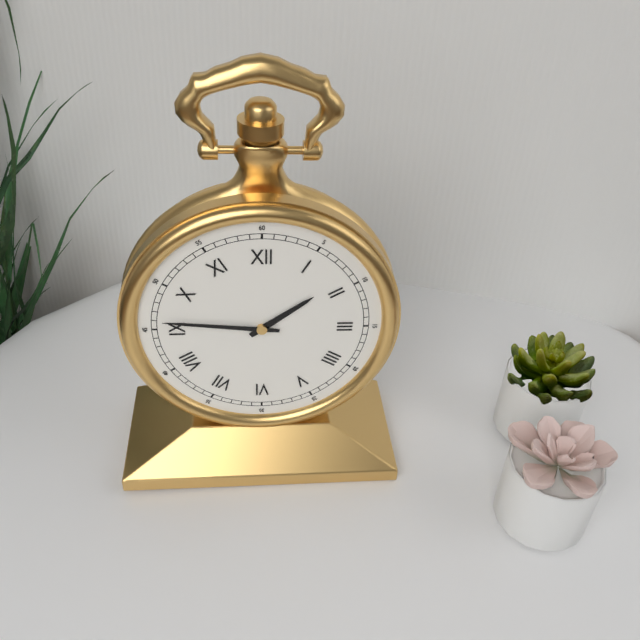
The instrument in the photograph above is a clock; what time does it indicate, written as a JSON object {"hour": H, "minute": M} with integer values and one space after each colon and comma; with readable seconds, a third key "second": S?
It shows {"hour": 1, "minute": 46}
